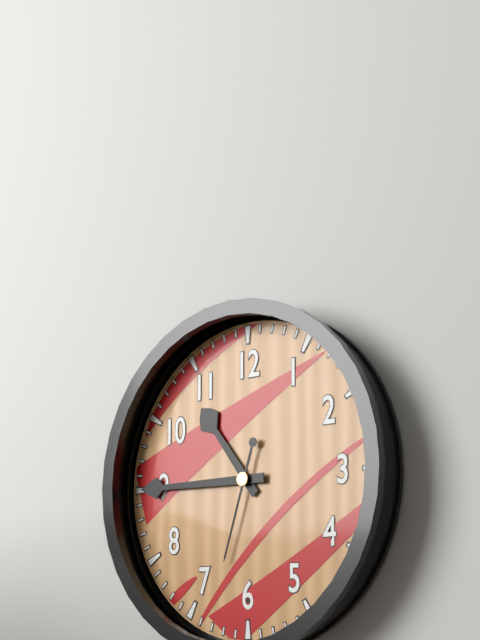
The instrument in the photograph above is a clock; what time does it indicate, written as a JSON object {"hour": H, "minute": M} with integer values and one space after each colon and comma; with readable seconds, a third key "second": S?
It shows {"hour": 10, "minute": 45, "second": 33}
